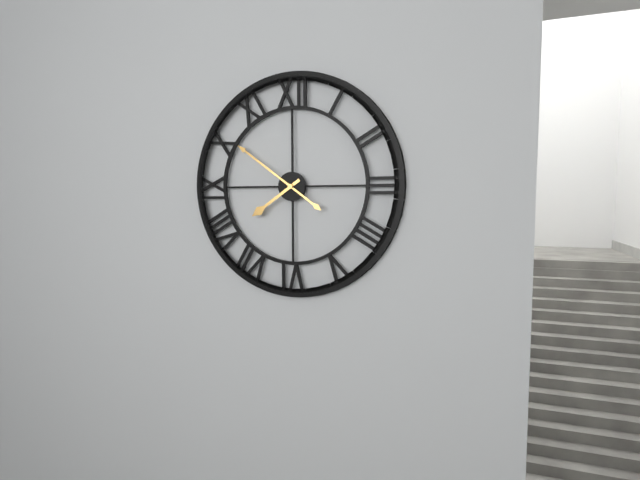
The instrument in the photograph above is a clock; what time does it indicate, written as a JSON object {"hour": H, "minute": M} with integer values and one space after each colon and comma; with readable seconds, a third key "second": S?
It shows {"hour": 7, "minute": 51}
